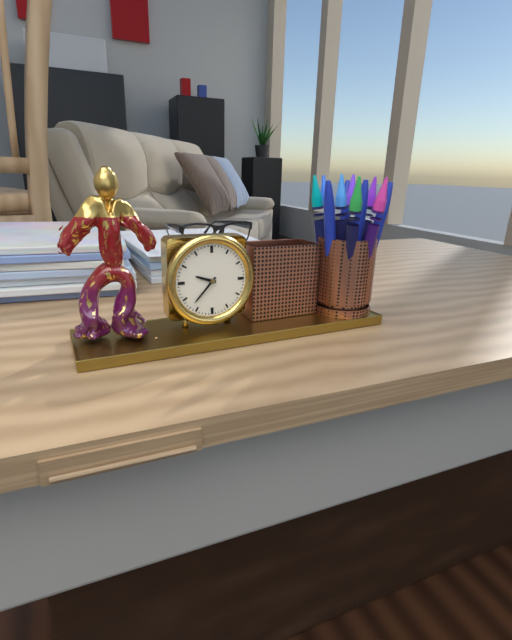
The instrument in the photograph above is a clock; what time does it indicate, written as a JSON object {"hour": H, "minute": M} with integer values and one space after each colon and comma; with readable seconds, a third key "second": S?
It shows {"hour": 9, "minute": 37}
